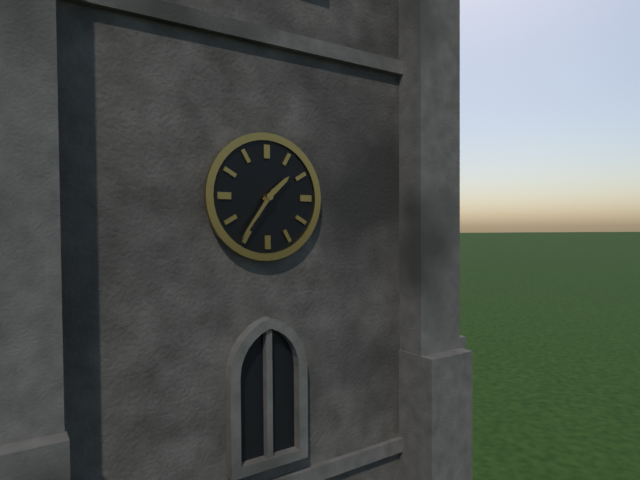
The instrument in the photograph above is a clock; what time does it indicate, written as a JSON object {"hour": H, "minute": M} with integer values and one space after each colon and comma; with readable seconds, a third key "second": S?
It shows {"hour": 1, "minute": 36}
